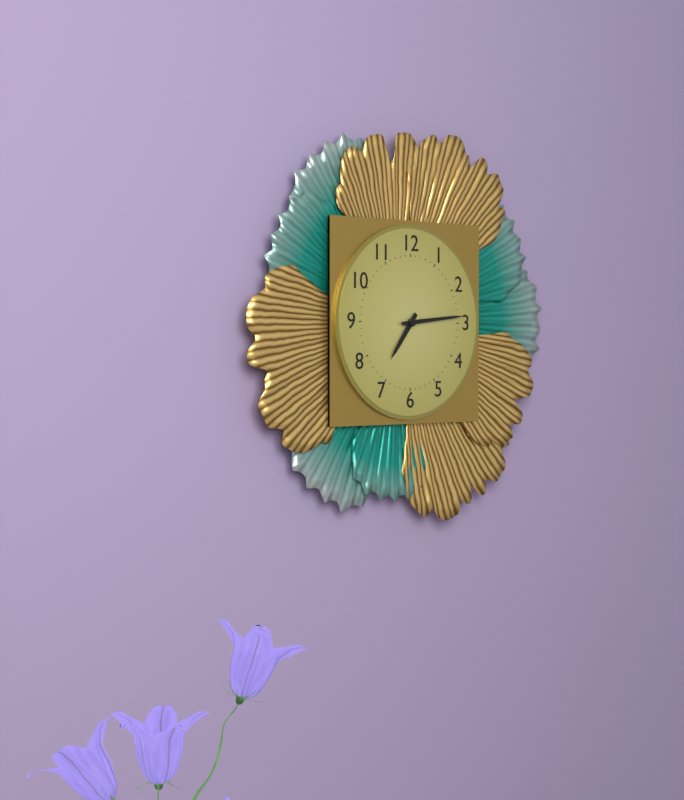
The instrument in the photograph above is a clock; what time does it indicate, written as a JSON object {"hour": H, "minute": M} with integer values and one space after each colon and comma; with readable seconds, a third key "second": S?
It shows {"hour": 7, "minute": 14}
